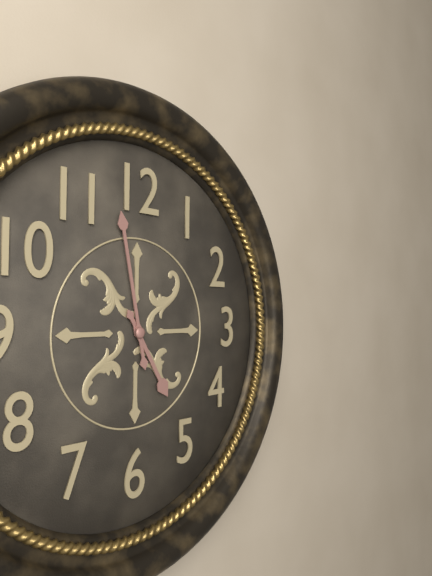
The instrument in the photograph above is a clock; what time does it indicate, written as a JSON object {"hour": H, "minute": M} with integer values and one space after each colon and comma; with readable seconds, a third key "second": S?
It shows {"hour": 4, "minute": 58}
